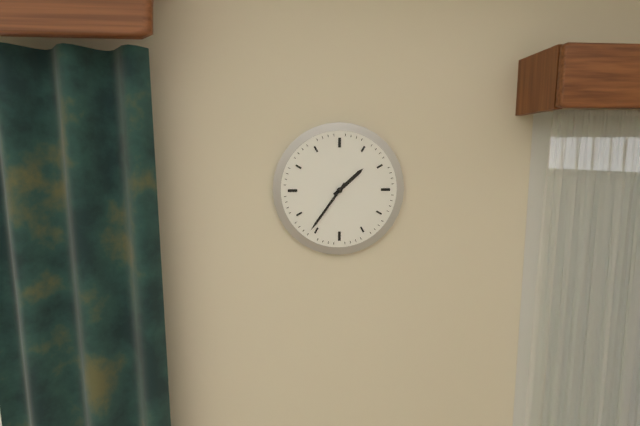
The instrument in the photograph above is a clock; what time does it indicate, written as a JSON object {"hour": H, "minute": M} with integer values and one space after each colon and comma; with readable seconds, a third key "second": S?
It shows {"hour": 1, "minute": 36}
